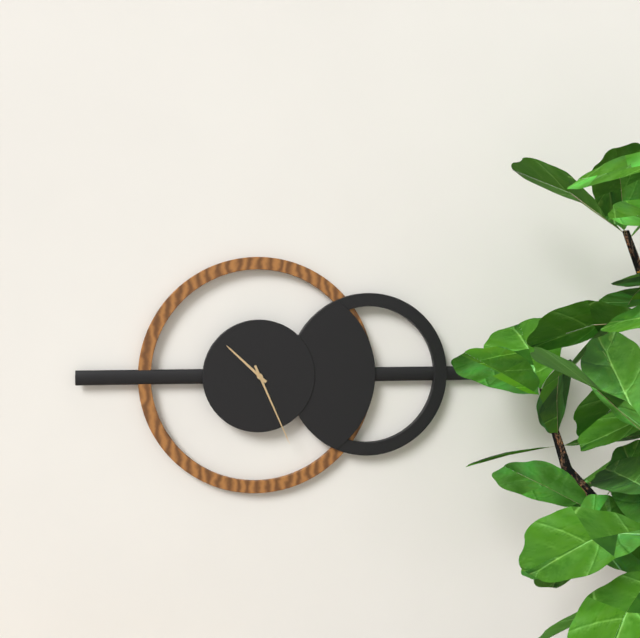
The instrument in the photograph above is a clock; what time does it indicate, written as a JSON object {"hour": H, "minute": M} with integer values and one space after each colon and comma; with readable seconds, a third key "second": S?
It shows {"hour": 10, "minute": 26}
